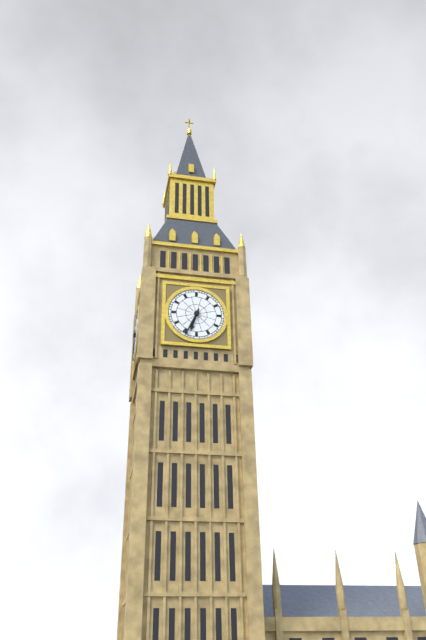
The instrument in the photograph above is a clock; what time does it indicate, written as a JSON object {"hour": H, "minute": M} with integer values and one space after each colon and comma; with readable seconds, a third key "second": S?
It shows {"hour": 6, "minute": 34}
